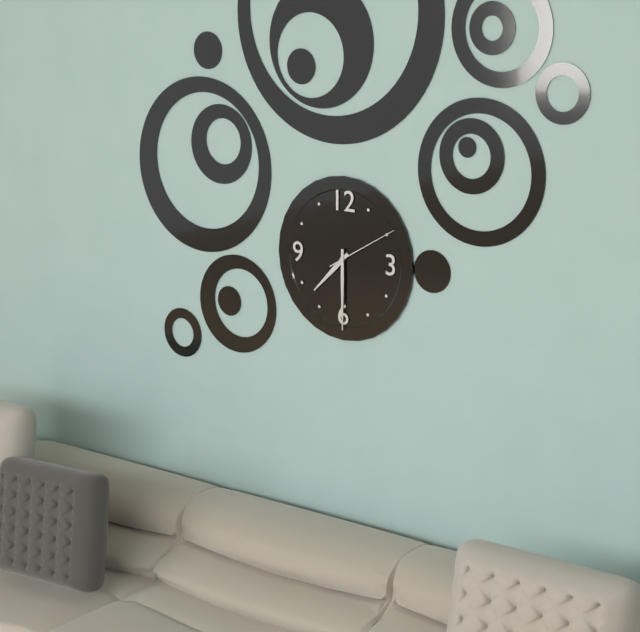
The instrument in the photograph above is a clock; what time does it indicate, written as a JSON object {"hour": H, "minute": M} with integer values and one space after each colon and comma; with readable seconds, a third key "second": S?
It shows {"hour": 7, "minute": 30, "second": 10}
